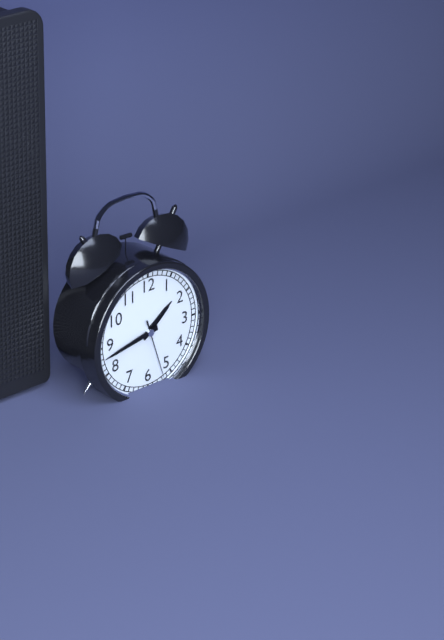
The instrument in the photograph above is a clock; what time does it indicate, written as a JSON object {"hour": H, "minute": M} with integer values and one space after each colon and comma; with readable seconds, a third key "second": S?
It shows {"hour": 1, "minute": 43, "second": 27}
